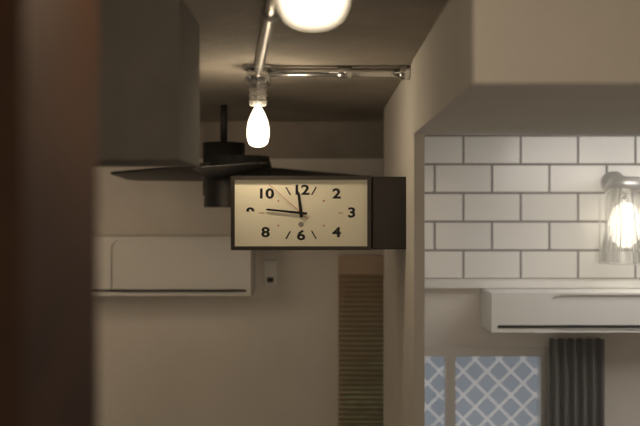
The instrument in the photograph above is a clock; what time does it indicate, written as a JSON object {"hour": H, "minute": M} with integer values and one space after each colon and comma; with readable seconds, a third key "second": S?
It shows {"hour": 11, "minute": 46, "second": 52}
